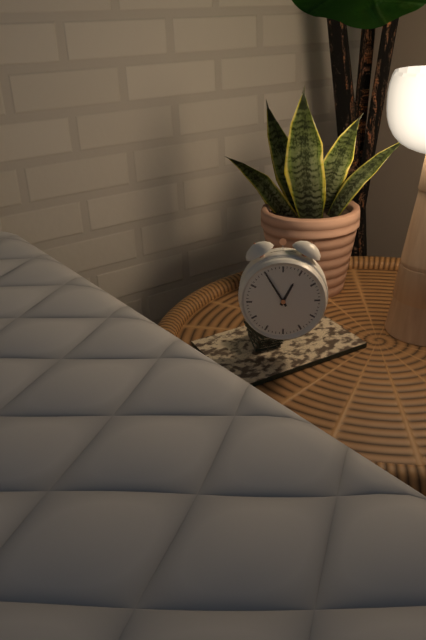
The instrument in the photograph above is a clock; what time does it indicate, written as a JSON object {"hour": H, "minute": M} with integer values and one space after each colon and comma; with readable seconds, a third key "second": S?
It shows {"hour": 12, "minute": 55}
